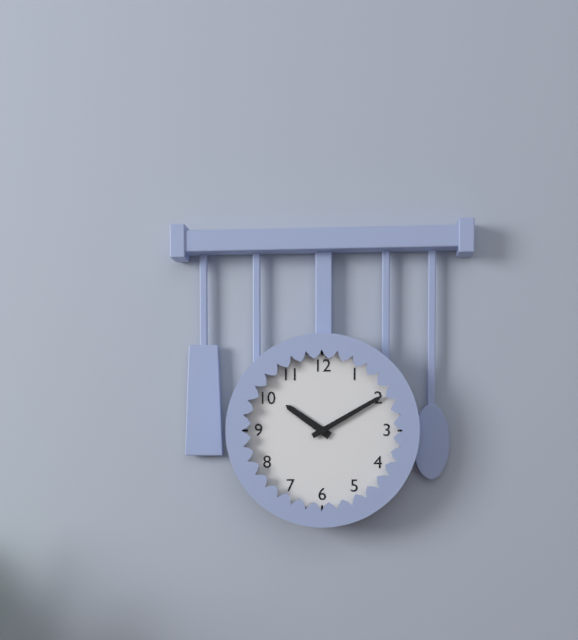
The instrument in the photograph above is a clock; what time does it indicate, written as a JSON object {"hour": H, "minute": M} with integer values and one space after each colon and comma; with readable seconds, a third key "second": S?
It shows {"hour": 10, "minute": 10}
